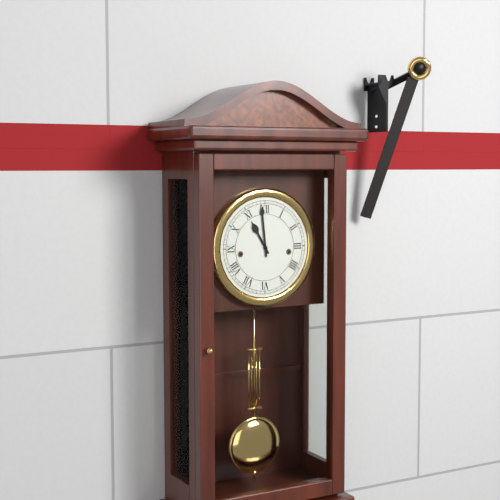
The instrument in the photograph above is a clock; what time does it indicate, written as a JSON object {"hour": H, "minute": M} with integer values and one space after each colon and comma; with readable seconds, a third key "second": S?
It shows {"hour": 10, "minute": 59}
